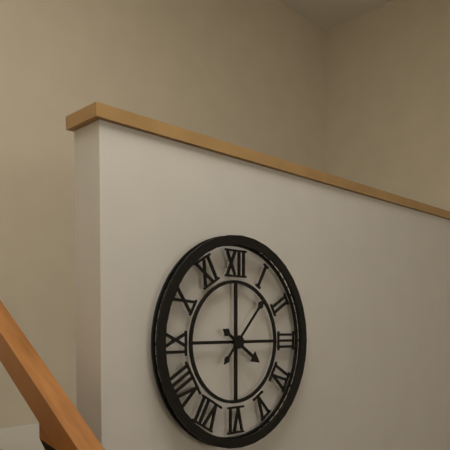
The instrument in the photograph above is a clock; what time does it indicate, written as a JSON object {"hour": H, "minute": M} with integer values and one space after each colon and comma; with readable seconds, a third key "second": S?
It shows {"hour": 4, "minute": 7}
